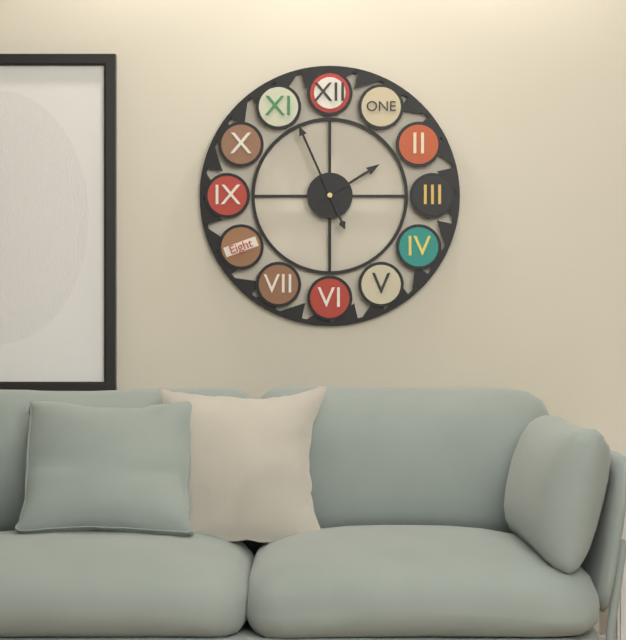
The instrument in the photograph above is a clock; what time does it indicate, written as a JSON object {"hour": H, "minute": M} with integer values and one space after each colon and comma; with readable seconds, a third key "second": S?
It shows {"hour": 1, "minute": 56}
